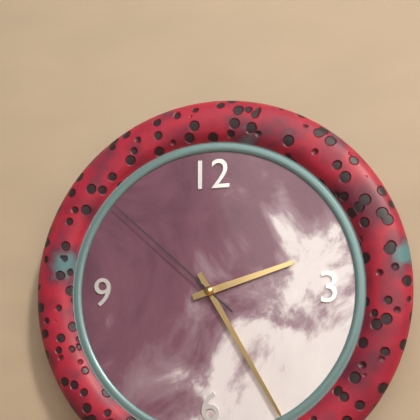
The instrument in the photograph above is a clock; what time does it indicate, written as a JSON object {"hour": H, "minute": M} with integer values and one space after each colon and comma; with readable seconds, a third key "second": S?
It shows {"hour": 2, "minute": 25, "second": 52}
